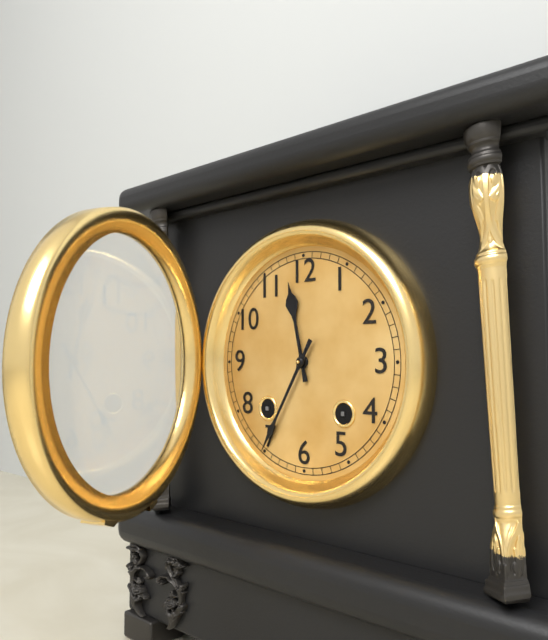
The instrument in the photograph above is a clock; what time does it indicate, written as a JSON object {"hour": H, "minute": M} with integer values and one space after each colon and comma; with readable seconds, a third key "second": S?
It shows {"hour": 11, "minute": 35}
